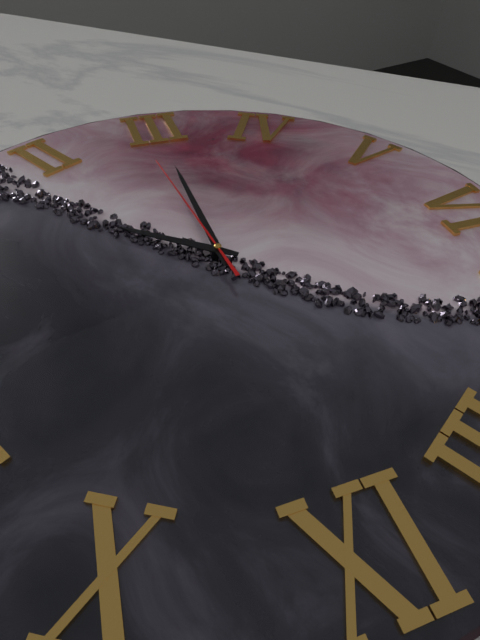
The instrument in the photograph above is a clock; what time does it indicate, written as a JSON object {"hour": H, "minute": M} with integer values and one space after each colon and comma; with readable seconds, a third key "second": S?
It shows {"hour": 1, "minute": 15, "second": 14}
